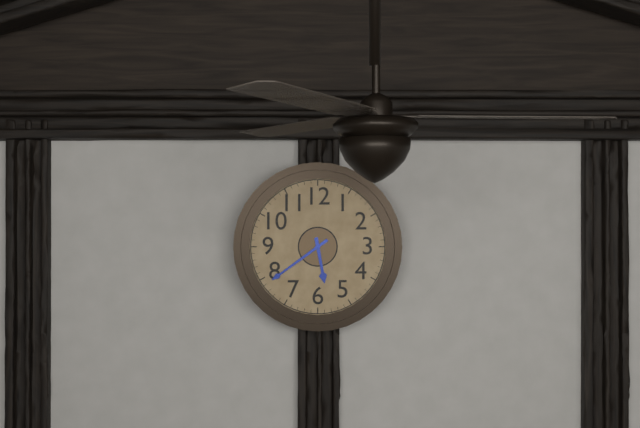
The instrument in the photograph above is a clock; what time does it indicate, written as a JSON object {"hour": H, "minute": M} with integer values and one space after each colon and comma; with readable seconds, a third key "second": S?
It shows {"hour": 5, "minute": 39}
